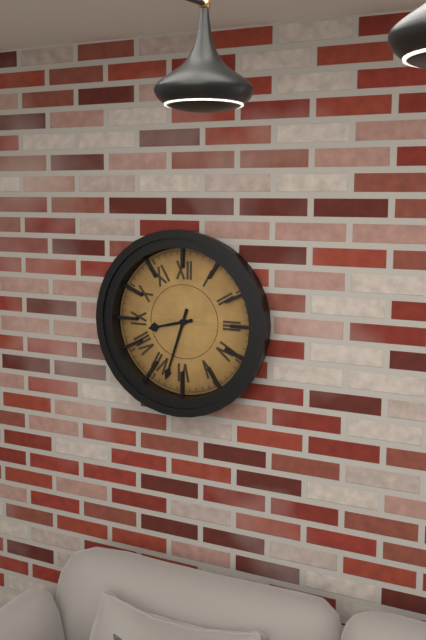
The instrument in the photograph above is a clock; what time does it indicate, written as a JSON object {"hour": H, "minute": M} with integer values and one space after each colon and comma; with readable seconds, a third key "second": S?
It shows {"hour": 8, "minute": 33}
